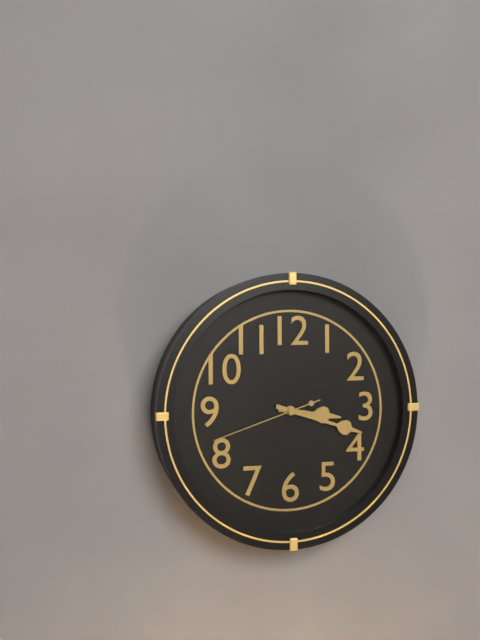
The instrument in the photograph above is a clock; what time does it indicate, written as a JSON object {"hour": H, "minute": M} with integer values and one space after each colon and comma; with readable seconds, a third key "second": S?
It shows {"hour": 3, "minute": 18, "second": 42}
